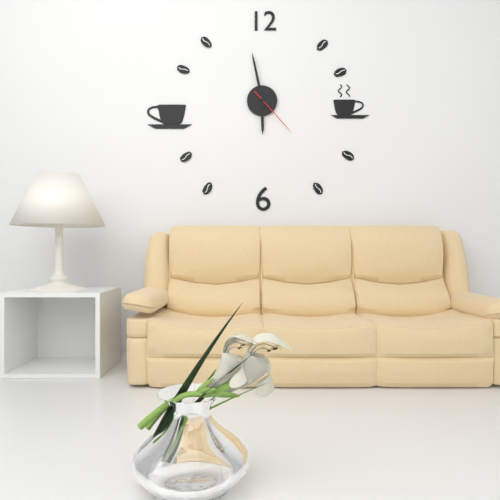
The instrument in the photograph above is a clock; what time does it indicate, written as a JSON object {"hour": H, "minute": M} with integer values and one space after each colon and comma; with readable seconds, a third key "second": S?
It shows {"hour": 5, "minute": 58, "second": 23}
